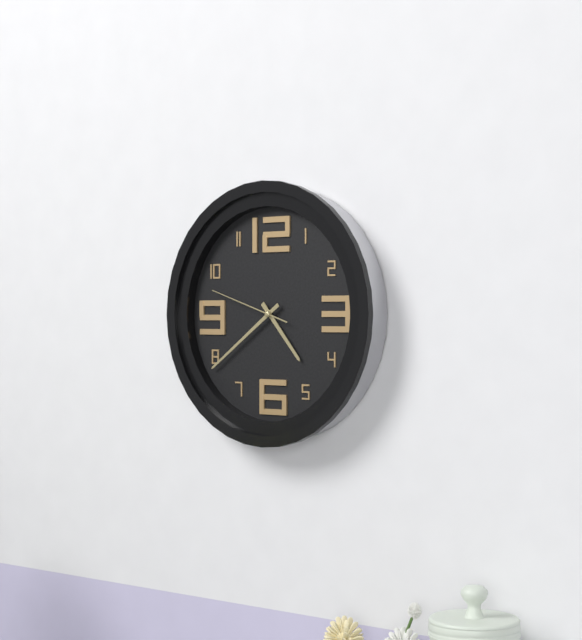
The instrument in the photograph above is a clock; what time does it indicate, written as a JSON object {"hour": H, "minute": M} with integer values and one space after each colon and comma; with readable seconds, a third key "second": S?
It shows {"hour": 4, "minute": 39, "second": 48}
